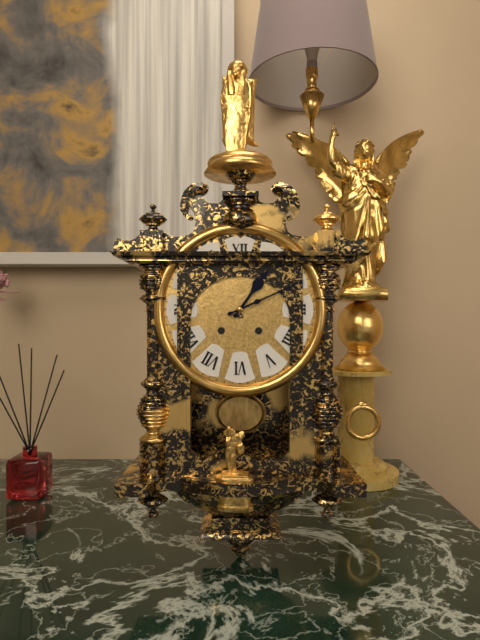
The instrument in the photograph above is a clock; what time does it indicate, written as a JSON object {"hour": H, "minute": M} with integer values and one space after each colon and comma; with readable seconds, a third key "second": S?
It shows {"hour": 1, "minute": 11}
